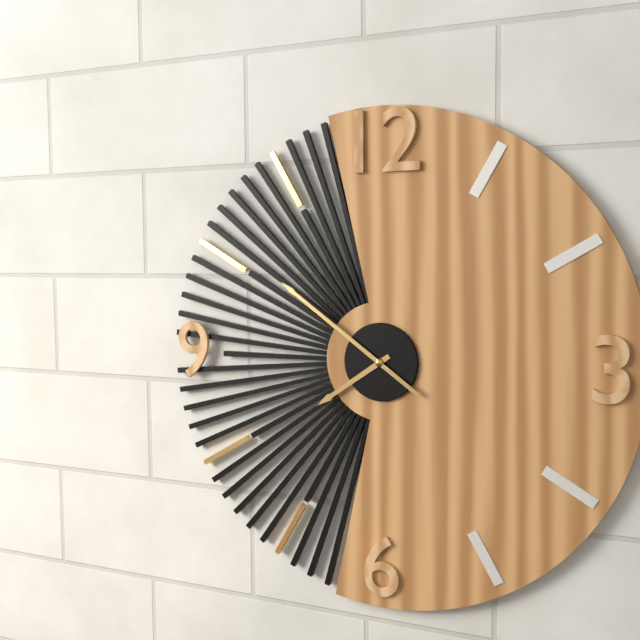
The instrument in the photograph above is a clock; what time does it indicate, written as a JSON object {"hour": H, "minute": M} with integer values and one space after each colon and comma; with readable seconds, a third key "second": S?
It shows {"hour": 7, "minute": 51}
